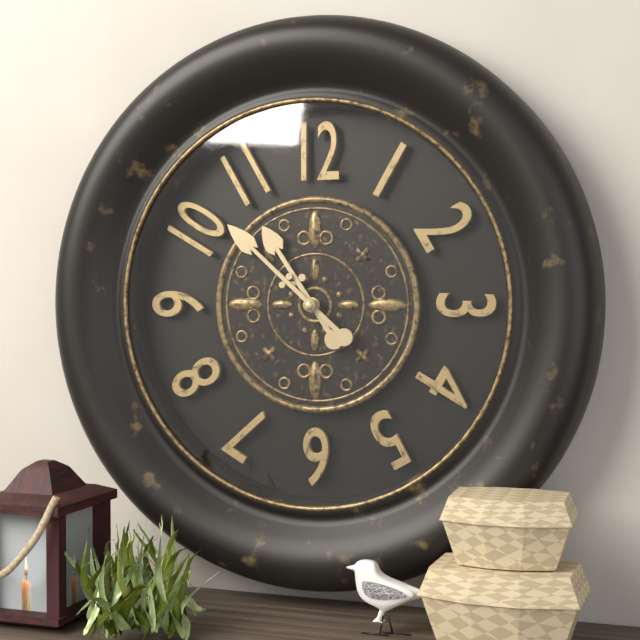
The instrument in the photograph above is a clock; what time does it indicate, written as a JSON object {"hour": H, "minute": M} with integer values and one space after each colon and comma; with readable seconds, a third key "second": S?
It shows {"hour": 10, "minute": 52}
